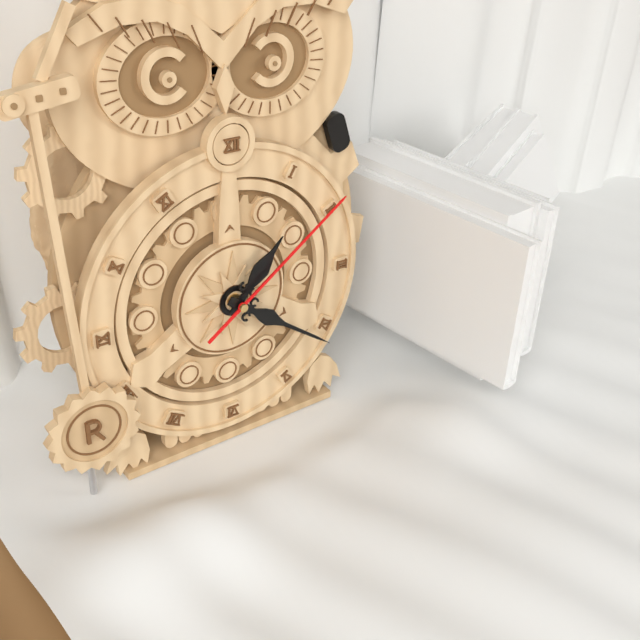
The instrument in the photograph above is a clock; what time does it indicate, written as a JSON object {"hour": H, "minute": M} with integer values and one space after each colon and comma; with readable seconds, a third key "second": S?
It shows {"hour": 1, "minute": 21, "second": 9}
